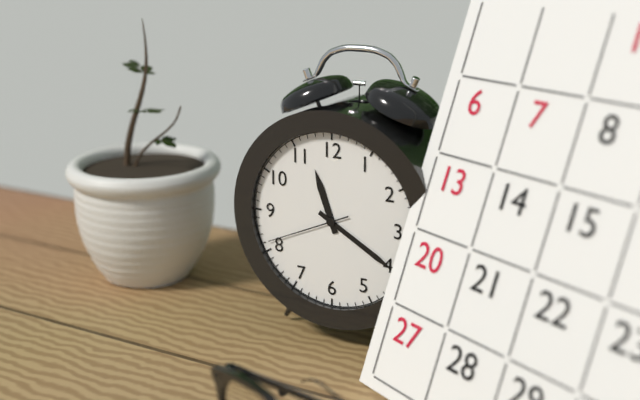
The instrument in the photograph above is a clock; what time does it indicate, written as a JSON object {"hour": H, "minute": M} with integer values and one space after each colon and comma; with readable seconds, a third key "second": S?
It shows {"hour": 11, "minute": 20, "second": 41}
